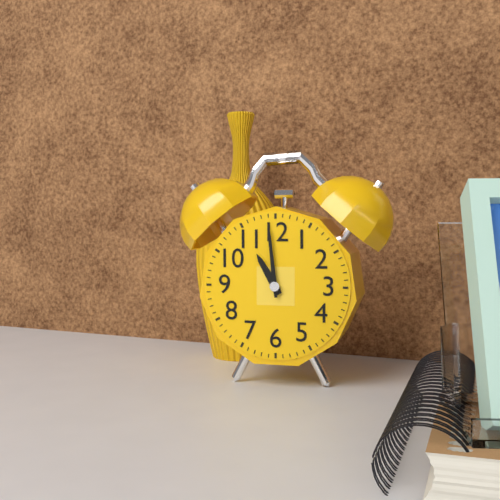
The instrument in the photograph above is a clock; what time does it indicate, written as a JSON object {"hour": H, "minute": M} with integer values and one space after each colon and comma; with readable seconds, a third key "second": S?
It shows {"hour": 10, "minute": 59}
